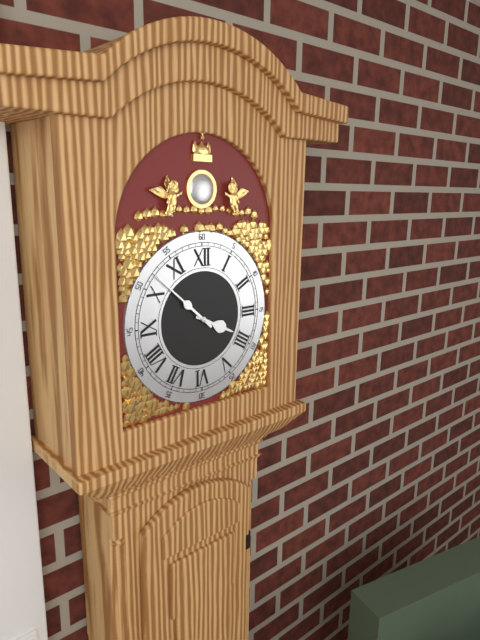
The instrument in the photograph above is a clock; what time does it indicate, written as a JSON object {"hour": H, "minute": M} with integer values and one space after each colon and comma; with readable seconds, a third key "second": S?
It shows {"hour": 3, "minute": 52}
